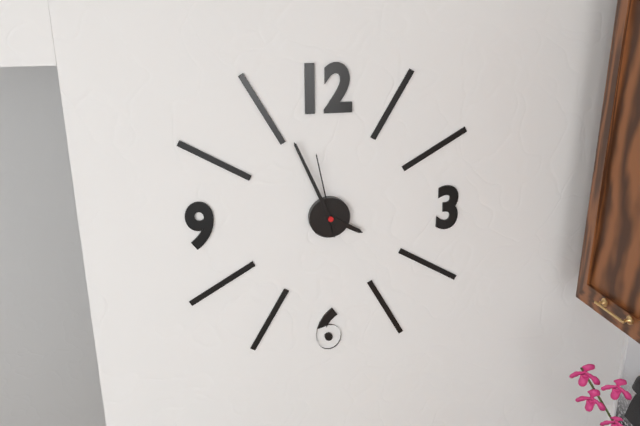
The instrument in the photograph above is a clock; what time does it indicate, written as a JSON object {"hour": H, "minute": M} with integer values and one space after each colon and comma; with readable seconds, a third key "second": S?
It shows {"hour": 3, "minute": 56, "second": 58}
